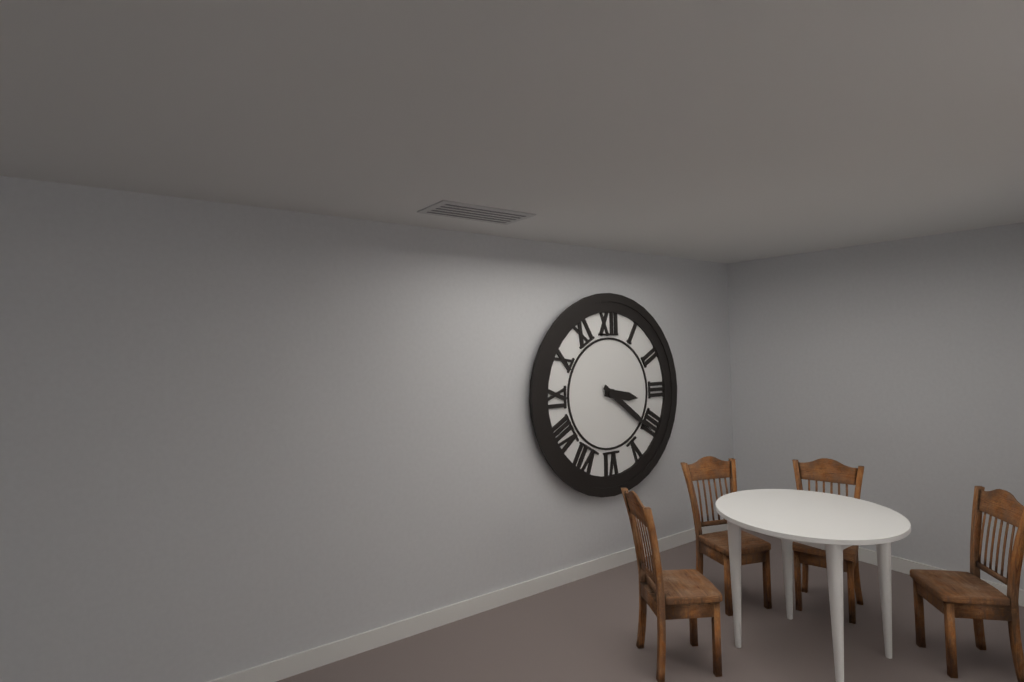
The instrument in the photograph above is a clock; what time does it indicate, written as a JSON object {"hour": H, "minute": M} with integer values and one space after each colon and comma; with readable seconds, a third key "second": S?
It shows {"hour": 3, "minute": 21}
